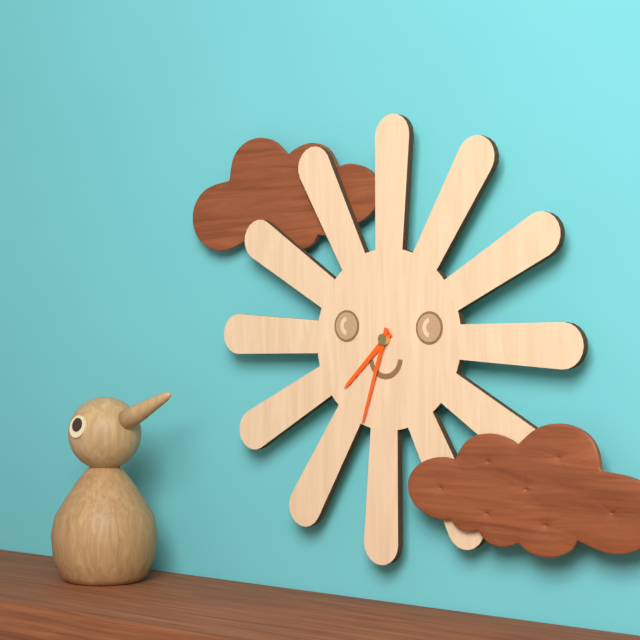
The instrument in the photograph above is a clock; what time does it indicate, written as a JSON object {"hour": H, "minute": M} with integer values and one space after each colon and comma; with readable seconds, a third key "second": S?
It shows {"hour": 7, "minute": 33}
